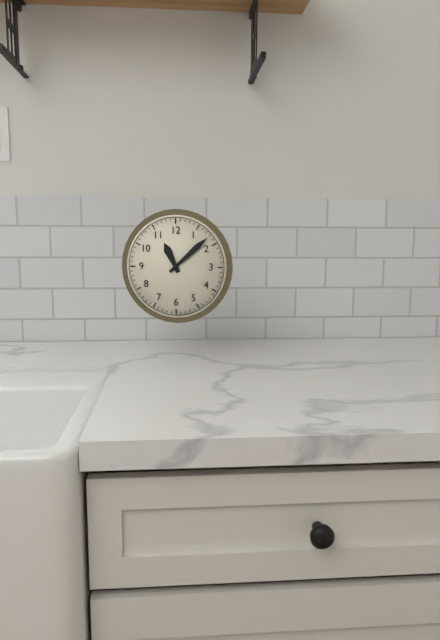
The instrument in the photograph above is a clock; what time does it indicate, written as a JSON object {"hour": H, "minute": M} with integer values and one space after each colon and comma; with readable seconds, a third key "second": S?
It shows {"hour": 11, "minute": 8}
